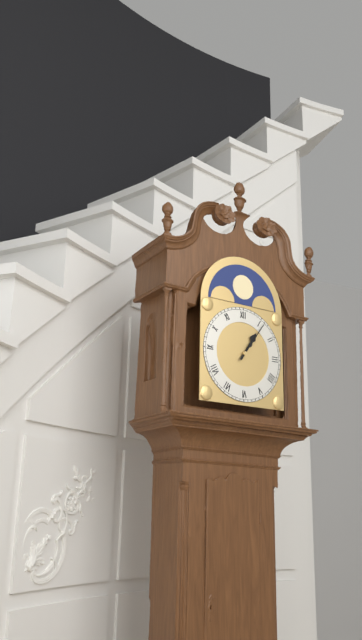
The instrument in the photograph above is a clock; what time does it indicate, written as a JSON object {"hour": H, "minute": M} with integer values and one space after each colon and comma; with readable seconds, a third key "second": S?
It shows {"hour": 1, "minute": 6}
